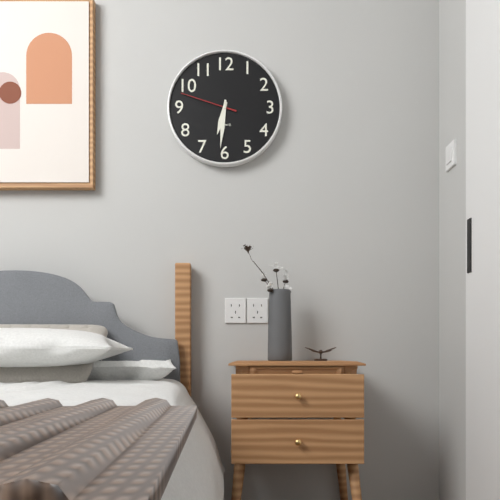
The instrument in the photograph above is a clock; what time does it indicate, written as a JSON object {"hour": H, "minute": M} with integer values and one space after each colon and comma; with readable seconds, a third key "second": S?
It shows {"hour": 6, "minute": 31, "second": 48}
